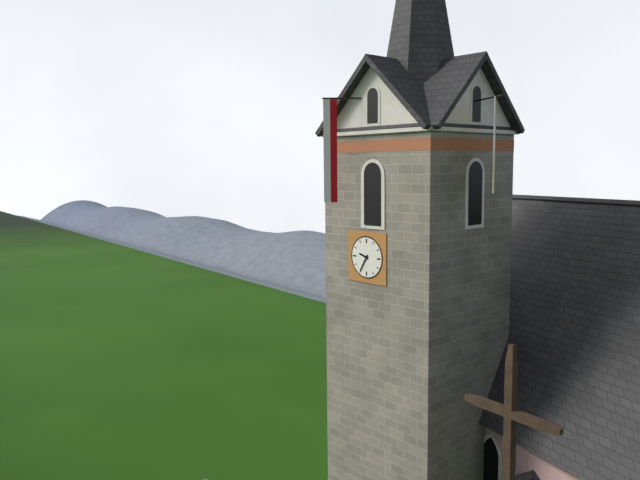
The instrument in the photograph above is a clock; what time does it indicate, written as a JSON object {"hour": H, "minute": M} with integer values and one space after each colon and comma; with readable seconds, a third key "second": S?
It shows {"hour": 9, "minute": 35}
